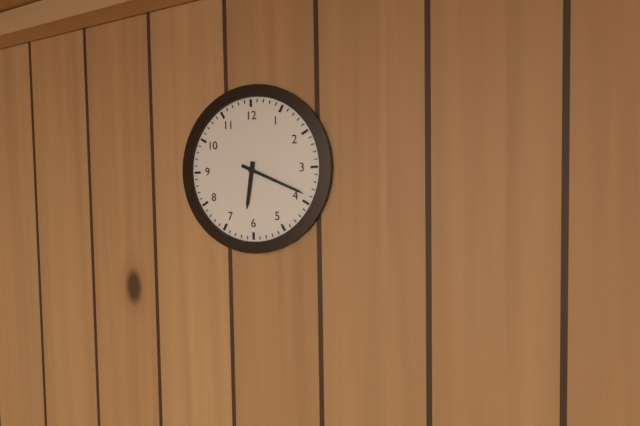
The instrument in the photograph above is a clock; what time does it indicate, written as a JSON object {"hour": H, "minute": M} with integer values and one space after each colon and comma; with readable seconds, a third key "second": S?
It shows {"hour": 6, "minute": 19}
